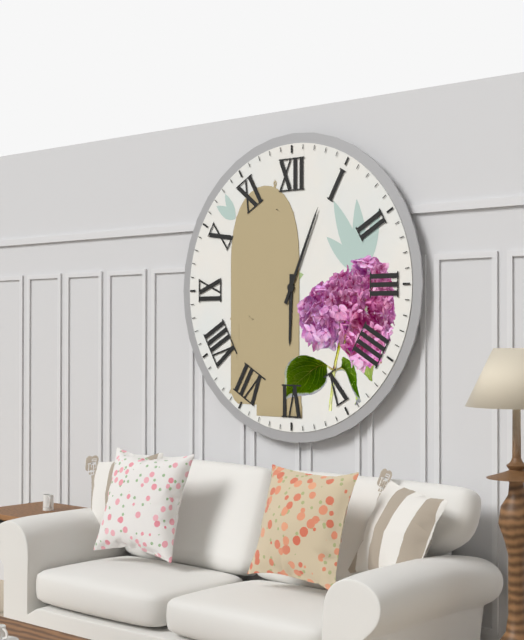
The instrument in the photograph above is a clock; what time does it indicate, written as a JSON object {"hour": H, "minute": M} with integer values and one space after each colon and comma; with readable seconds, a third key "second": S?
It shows {"hour": 6, "minute": 4}
